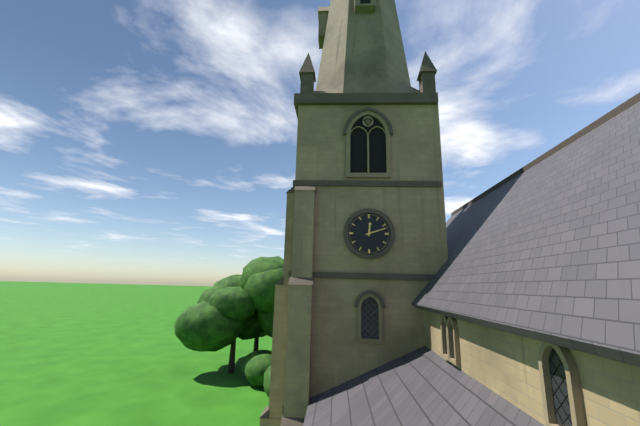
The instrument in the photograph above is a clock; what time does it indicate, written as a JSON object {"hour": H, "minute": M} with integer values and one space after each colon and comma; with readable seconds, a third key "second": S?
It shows {"hour": 12, "minute": 12}
